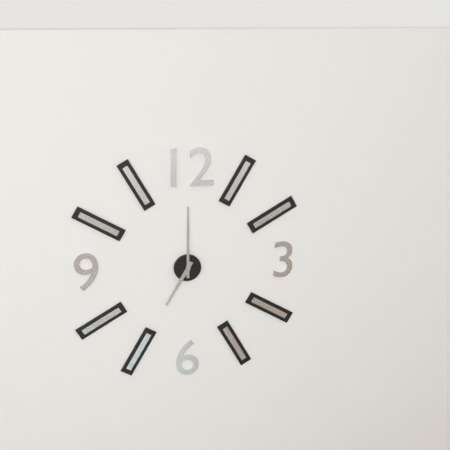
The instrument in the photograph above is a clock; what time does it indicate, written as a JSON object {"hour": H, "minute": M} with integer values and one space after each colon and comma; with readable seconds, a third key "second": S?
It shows {"hour": 7, "minute": 0}
